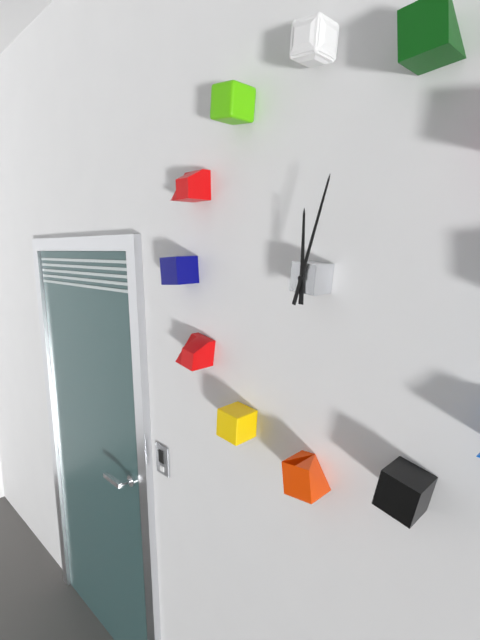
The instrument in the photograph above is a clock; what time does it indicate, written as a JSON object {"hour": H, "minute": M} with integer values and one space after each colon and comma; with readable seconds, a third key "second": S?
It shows {"hour": 12, "minute": 3}
